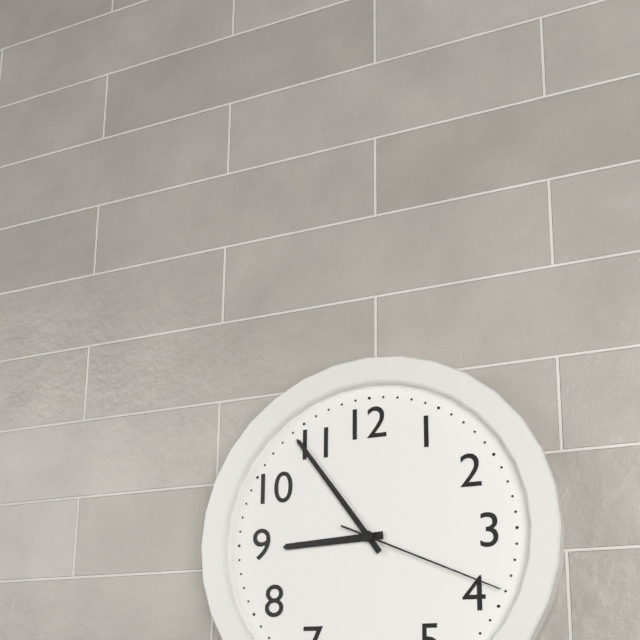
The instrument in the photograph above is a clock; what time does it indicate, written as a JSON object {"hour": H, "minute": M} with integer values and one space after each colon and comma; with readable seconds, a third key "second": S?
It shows {"hour": 8, "minute": 54, "second": 19}
